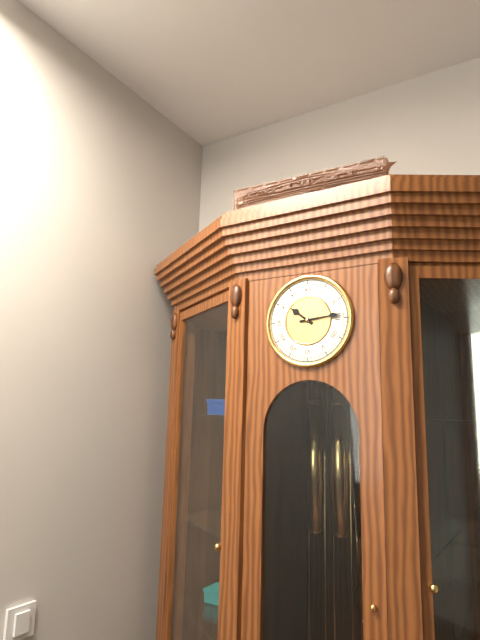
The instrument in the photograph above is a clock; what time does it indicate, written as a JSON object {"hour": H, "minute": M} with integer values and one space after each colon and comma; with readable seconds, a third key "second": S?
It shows {"hour": 10, "minute": 14}
